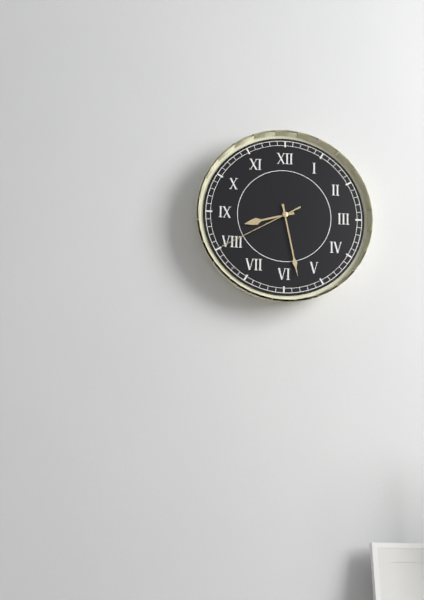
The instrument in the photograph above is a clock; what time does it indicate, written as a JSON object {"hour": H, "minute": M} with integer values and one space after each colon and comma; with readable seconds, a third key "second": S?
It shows {"hour": 8, "minute": 28, "second": 40}
